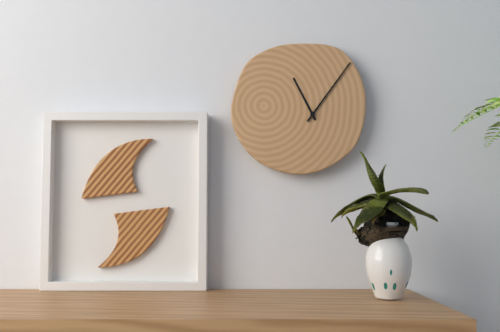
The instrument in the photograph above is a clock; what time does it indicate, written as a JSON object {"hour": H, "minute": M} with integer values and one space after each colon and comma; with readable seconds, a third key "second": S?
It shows {"hour": 11, "minute": 6}
